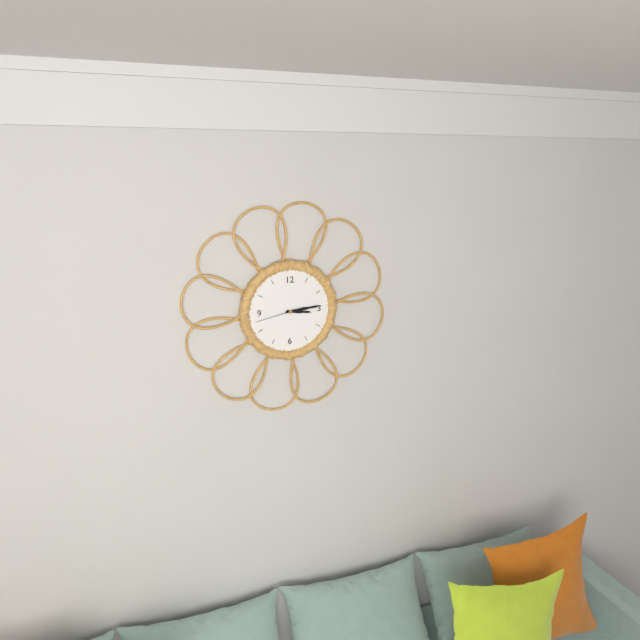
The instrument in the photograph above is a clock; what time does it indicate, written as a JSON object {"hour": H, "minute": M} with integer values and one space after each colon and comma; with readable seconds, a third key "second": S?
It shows {"hour": 3, "minute": 14}
